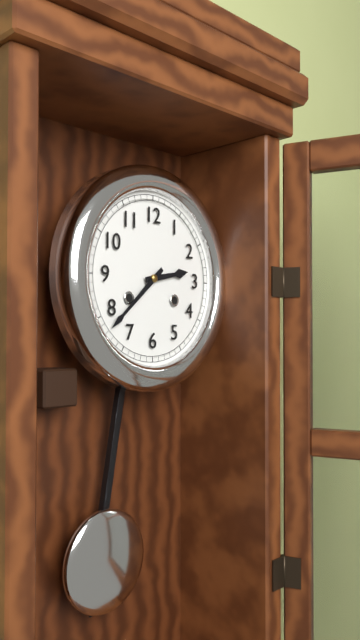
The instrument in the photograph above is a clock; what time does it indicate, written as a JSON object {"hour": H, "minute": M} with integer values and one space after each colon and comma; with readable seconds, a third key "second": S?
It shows {"hour": 2, "minute": 38}
